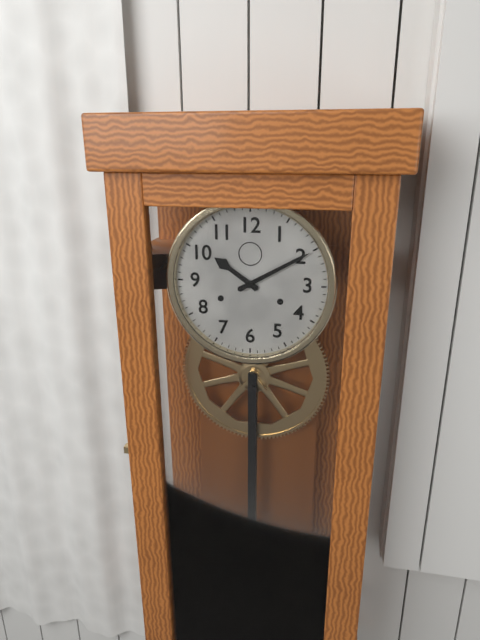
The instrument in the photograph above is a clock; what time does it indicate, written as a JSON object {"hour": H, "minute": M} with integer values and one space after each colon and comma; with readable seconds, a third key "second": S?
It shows {"hour": 10, "minute": 10}
